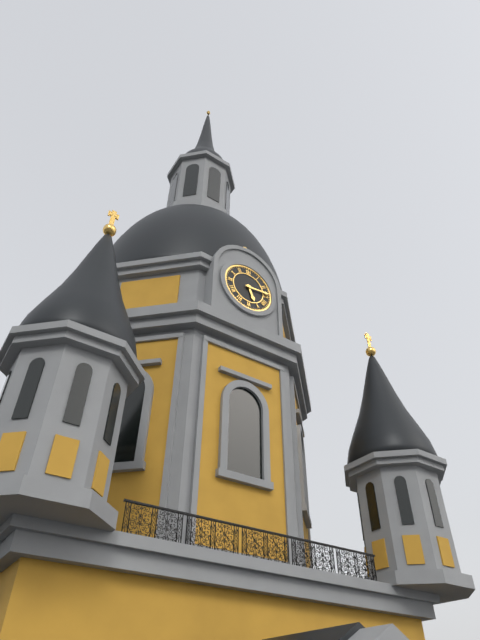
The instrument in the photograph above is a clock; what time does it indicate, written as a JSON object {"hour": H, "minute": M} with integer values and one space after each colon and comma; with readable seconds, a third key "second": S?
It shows {"hour": 5, "minute": 14}
